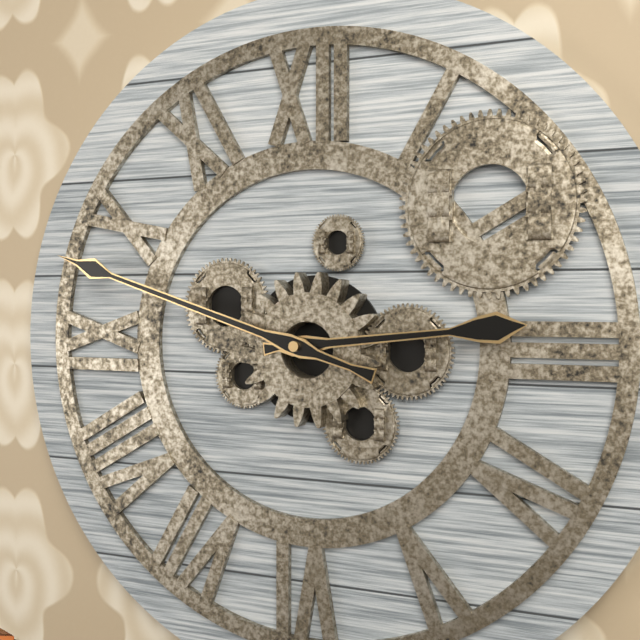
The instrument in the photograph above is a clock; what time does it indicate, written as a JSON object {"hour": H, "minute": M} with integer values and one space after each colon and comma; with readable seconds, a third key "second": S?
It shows {"hour": 2, "minute": 48}
